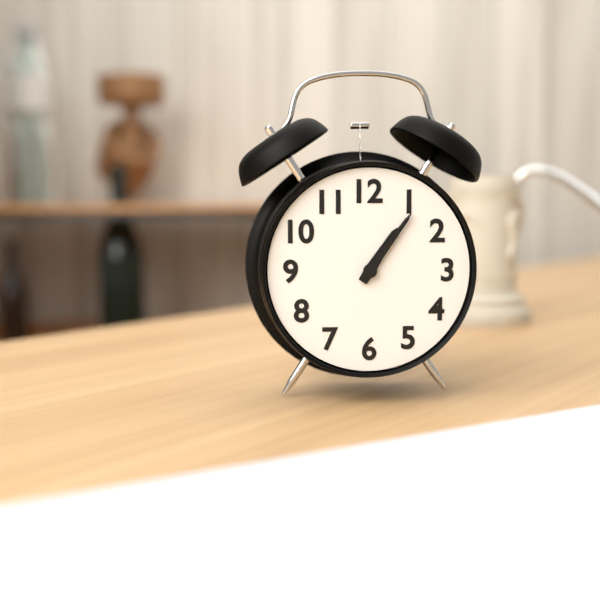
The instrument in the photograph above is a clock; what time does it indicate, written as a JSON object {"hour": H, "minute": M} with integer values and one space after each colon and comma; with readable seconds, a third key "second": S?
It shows {"hour": 1, "minute": 6}
